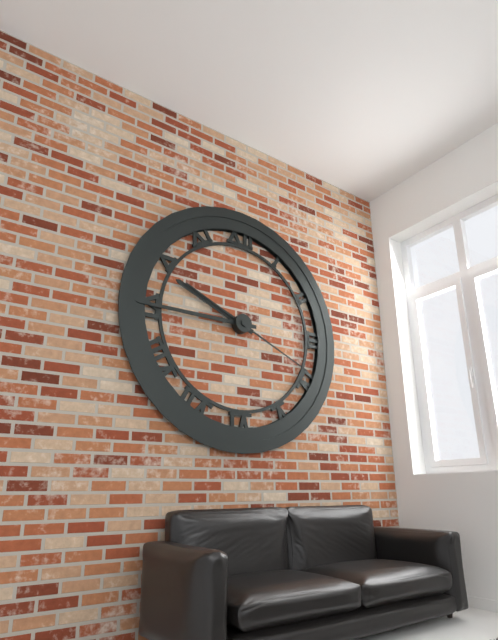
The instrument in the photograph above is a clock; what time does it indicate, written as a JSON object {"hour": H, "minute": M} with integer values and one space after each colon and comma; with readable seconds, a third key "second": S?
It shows {"hour": 9, "minute": 45, "second": 19}
